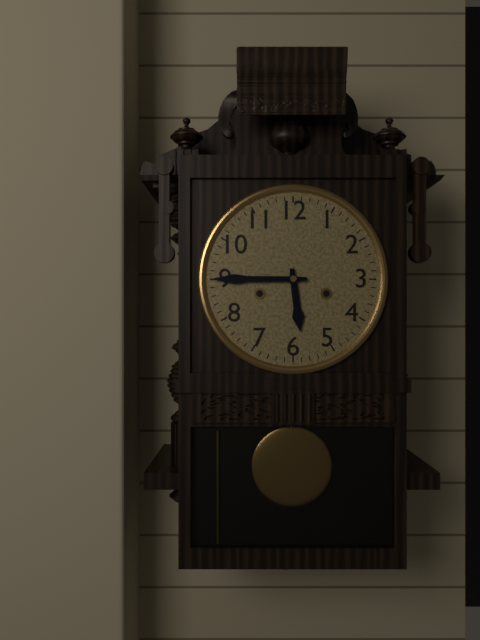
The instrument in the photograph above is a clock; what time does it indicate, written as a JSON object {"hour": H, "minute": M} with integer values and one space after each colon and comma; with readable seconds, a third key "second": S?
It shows {"hour": 5, "minute": 45}
